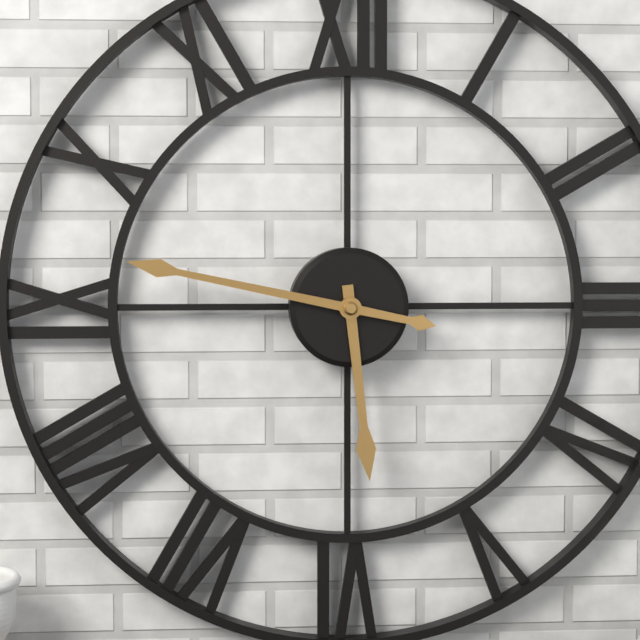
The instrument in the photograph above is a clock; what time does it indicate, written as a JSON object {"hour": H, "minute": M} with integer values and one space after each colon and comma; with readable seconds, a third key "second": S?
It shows {"hour": 5, "minute": 47}
